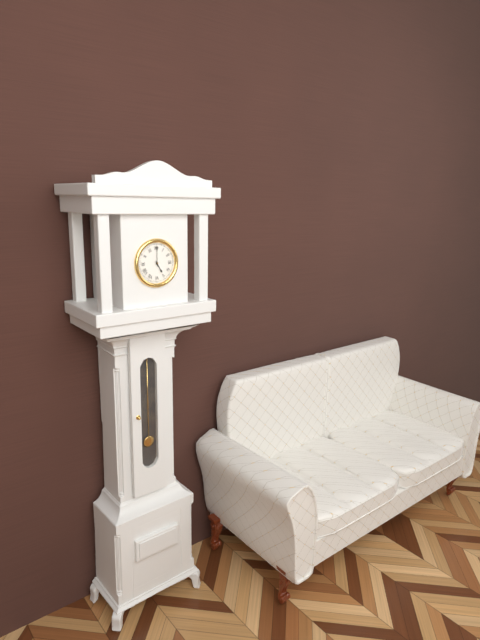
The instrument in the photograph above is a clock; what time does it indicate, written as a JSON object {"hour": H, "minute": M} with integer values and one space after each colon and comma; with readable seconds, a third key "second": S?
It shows {"hour": 5, "minute": 0}
